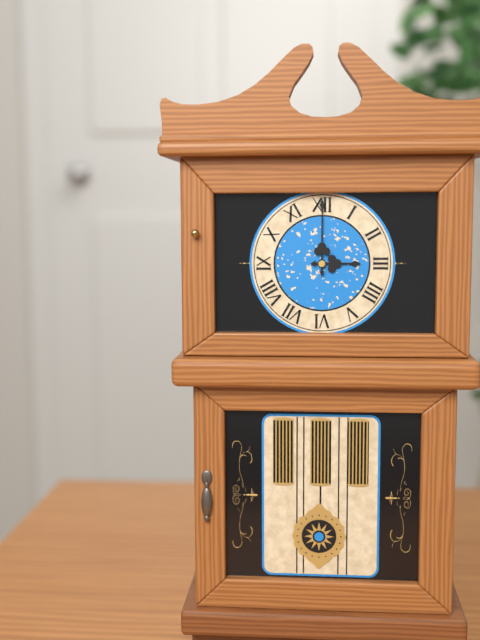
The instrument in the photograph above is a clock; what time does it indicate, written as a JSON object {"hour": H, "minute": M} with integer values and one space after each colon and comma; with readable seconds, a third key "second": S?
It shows {"hour": 3, "minute": 0}
